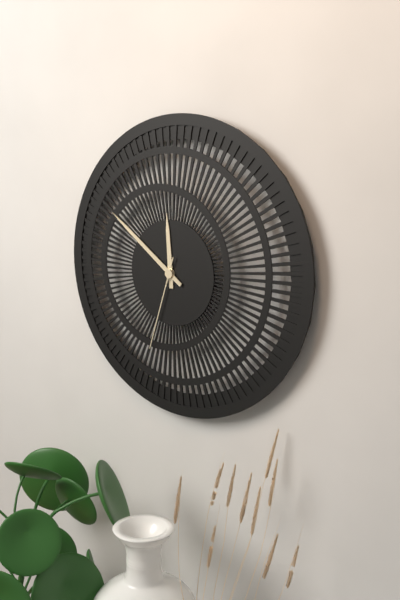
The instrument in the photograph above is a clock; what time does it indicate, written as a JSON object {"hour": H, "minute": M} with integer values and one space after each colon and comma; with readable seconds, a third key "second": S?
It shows {"hour": 11, "minute": 51, "second": 33}
